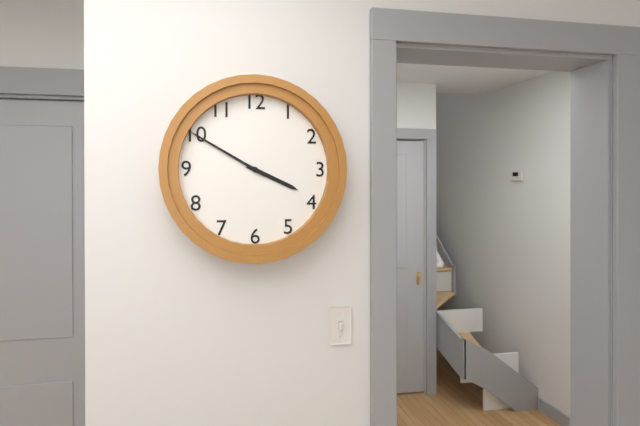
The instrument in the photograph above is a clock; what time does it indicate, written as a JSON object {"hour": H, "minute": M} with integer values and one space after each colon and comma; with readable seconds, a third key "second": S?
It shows {"hour": 3, "minute": 50}
